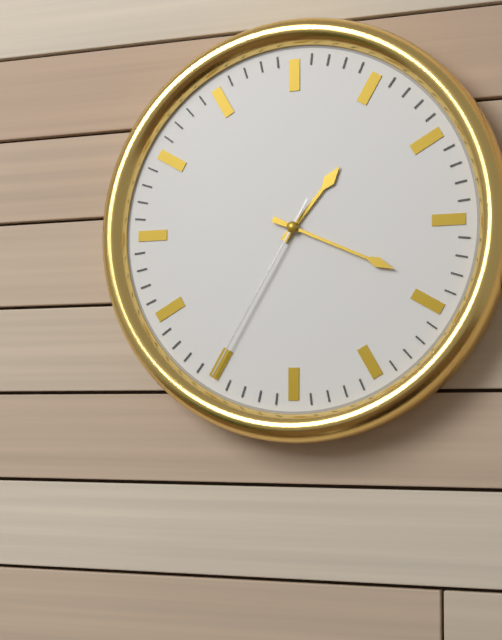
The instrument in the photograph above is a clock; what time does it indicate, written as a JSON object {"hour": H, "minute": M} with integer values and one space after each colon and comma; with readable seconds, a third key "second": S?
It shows {"hour": 1, "minute": 19, "second": 35}
